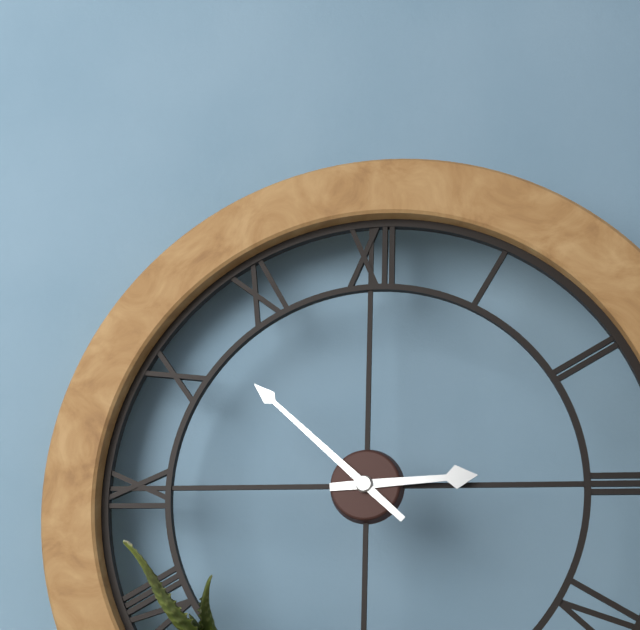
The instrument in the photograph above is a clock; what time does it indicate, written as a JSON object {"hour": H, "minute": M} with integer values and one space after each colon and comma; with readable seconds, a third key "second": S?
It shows {"hour": 2, "minute": 52}
